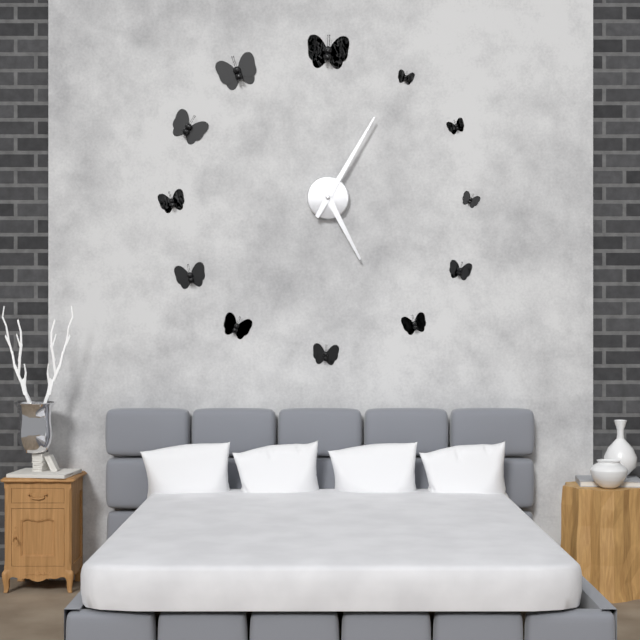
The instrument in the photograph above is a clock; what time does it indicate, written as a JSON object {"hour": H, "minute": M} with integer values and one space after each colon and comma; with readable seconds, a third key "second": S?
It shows {"hour": 5, "minute": 5}
